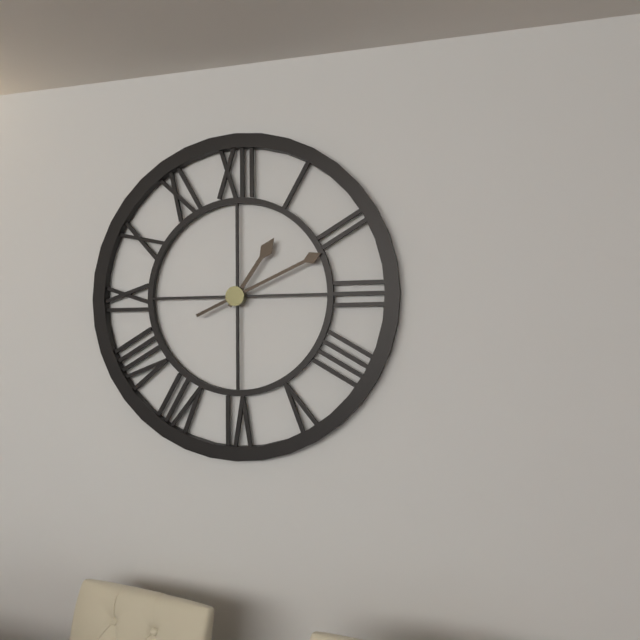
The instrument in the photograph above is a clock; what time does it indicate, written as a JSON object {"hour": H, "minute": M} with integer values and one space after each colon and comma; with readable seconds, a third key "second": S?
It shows {"hour": 1, "minute": 11}
